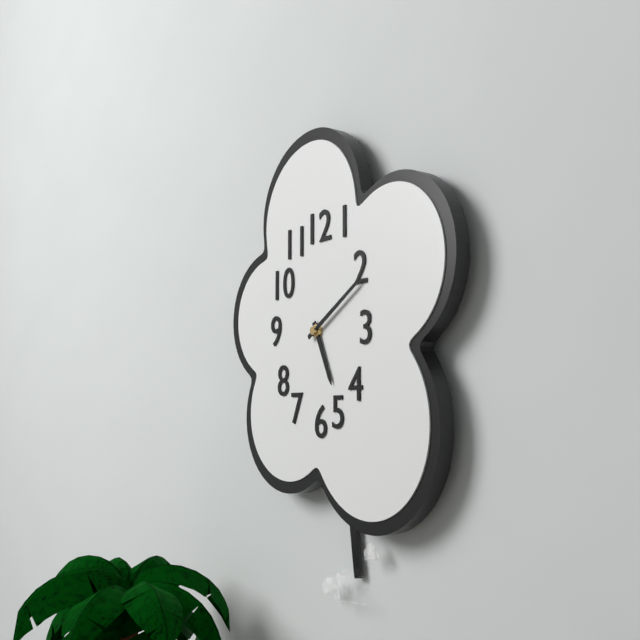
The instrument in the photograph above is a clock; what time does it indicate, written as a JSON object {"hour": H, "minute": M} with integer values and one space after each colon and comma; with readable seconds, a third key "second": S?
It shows {"hour": 5, "minute": 10}
